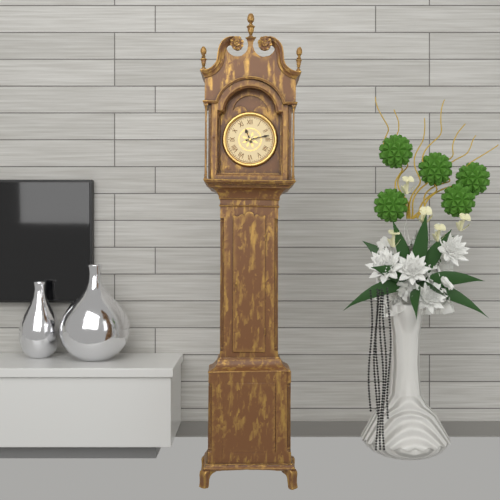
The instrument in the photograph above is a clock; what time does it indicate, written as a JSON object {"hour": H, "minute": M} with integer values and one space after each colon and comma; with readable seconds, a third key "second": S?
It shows {"hour": 11, "minute": 13}
